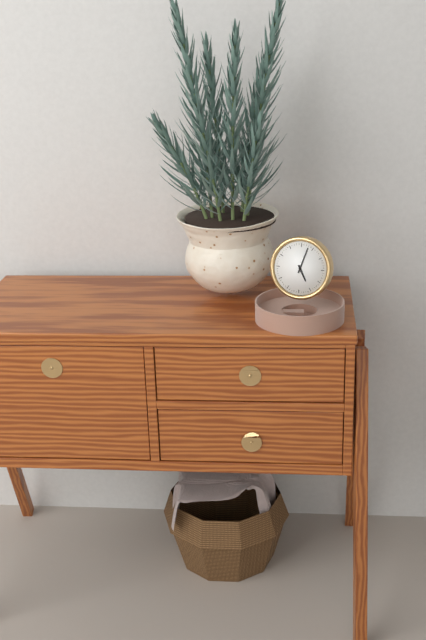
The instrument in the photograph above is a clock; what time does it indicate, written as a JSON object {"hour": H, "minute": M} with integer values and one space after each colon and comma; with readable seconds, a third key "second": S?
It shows {"hour": 5, "minute": 3}
